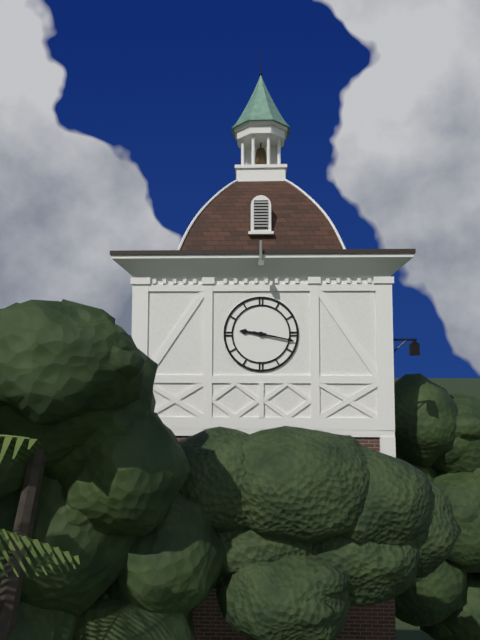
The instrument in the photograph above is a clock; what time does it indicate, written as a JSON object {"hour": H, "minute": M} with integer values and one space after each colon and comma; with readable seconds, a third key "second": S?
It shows {"hour": 9, "minute": 17}
